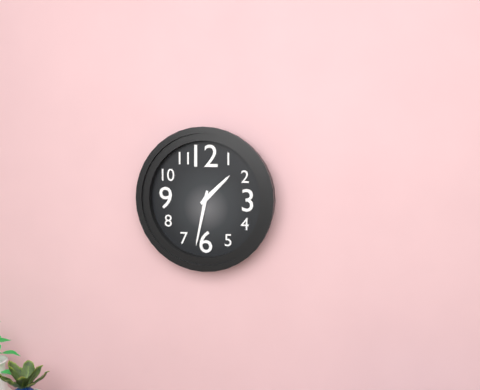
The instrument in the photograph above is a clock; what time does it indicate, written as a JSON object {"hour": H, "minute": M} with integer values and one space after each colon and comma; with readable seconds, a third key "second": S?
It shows {"hour": 1, "minute": 32}
